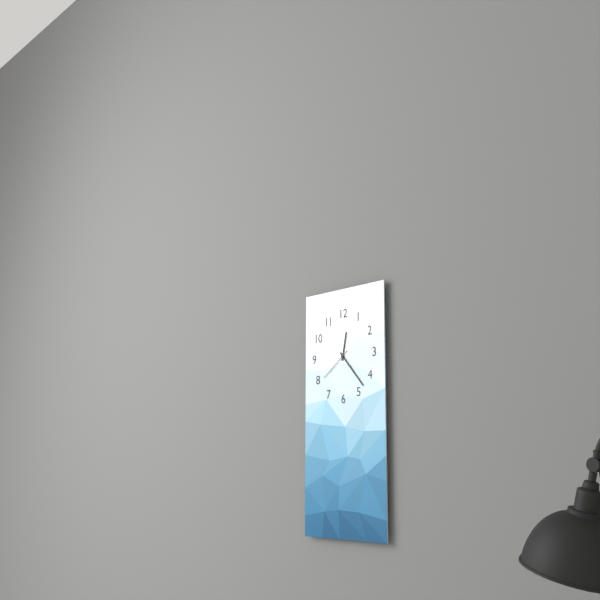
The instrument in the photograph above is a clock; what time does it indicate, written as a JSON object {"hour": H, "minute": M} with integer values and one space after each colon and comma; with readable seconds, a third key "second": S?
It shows {"hour": 12, "minute": 23}
